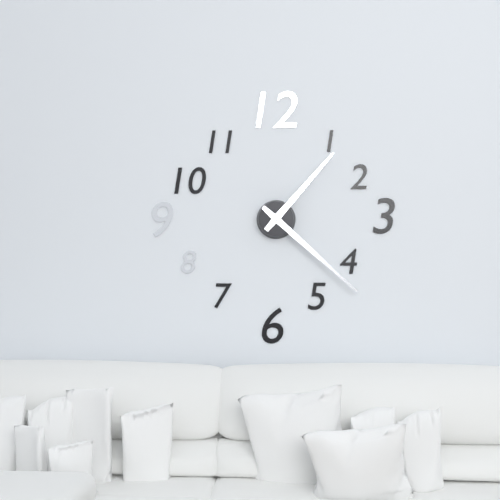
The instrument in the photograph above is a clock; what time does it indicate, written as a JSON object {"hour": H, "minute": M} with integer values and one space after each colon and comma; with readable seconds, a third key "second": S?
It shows {"hour": 1, "minute": 22}
